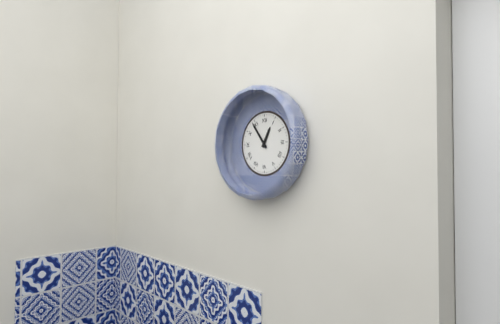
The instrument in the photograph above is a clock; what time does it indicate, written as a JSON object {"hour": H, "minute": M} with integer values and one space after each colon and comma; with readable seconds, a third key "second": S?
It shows {"hour": 12, "minute": 54}
